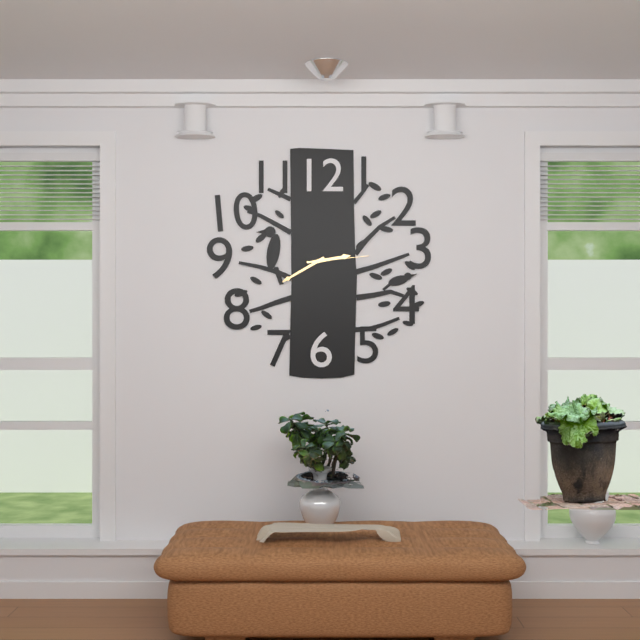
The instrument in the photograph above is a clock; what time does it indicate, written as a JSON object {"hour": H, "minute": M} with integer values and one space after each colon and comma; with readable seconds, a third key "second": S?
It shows {"hour": 2, "minute": 40, "second": 14}
